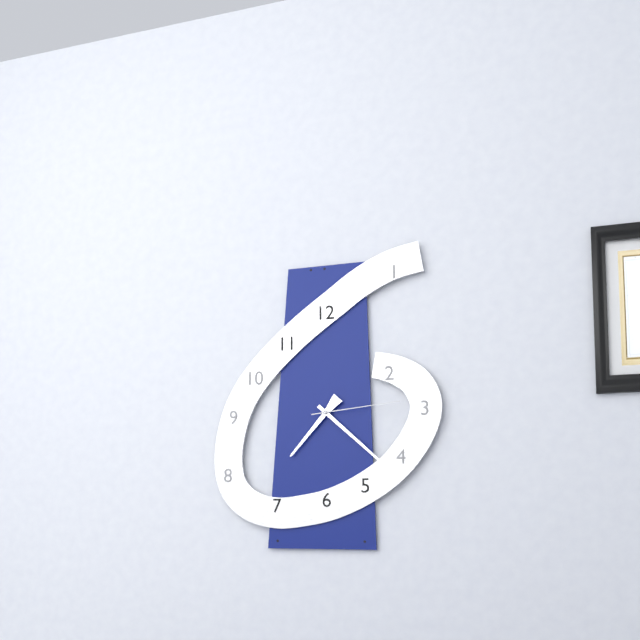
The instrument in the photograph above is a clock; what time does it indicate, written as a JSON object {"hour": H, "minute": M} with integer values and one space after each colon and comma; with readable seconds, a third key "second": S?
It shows {"hour": 7, "minute": 22, "second": 14}
